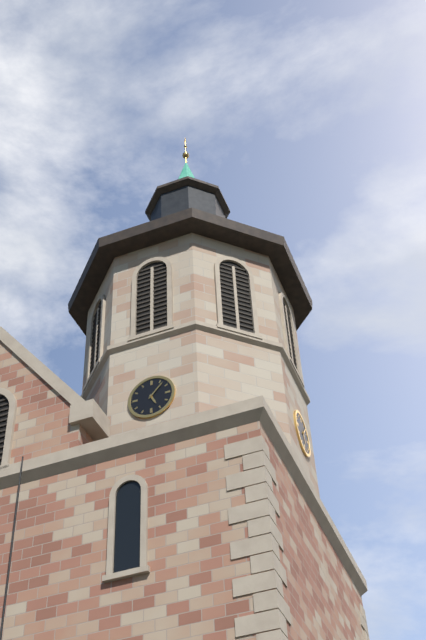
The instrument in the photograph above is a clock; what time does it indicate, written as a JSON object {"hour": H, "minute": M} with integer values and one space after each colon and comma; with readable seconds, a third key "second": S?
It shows {"hour": 5, "minute": 7}
